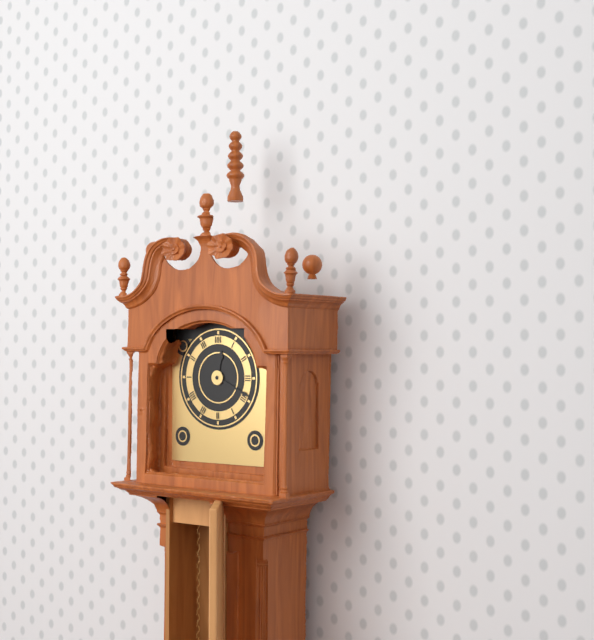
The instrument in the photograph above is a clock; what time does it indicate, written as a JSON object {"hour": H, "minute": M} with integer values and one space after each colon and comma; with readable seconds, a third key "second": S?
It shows {"hour": 12, "minute": 19}
